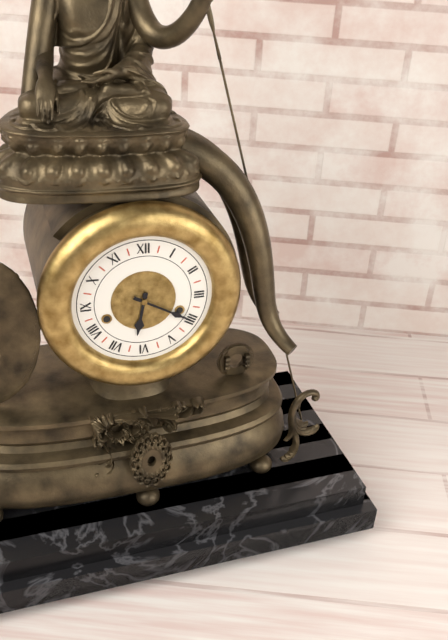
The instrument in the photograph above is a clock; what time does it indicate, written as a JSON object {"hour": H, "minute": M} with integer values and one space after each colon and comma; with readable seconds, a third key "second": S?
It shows {"hour": 6, "minute": 20}
